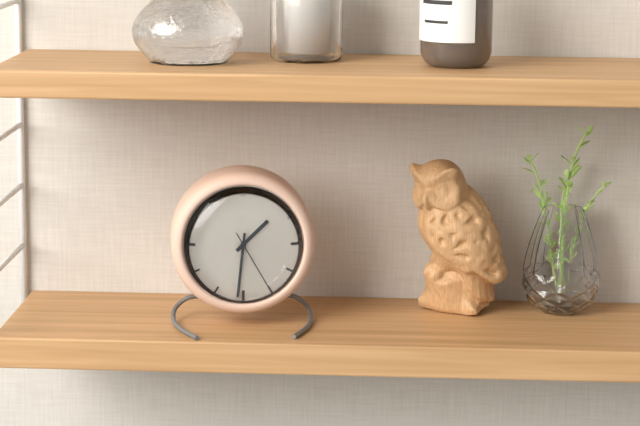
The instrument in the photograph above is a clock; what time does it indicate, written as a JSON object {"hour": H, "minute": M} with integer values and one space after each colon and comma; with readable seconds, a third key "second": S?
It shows {"hour": 1, "minute": 31, "second": 25}
